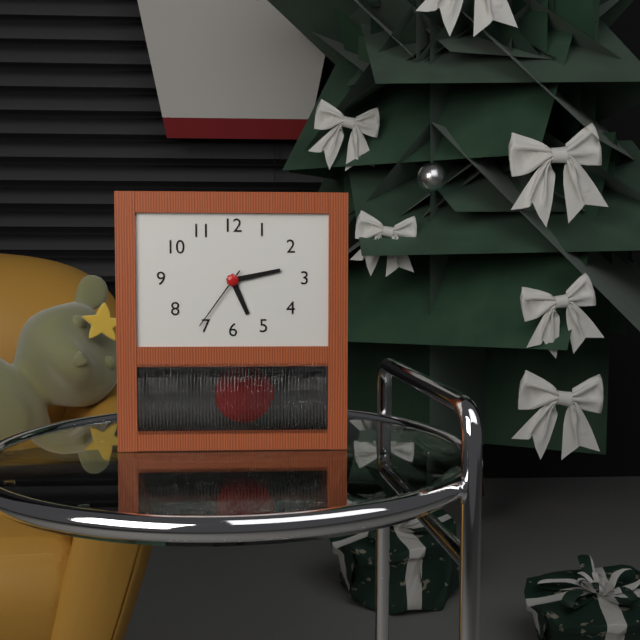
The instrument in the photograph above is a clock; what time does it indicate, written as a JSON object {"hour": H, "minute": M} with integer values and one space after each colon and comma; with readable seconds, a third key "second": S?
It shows {"hour": 5, "minute": 13, "second": 36}
